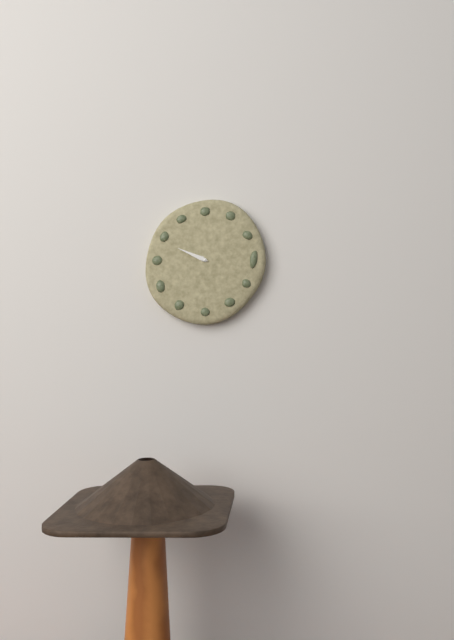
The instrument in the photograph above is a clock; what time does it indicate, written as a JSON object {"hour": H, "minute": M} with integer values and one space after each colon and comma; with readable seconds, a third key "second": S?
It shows {"hour": 9, "minute": 49}
